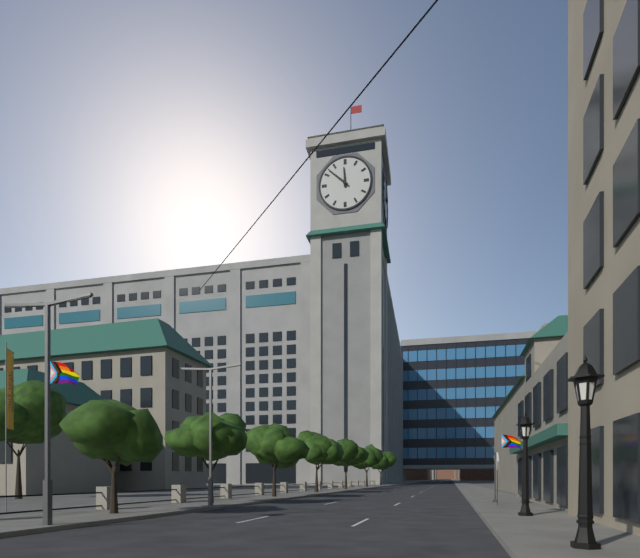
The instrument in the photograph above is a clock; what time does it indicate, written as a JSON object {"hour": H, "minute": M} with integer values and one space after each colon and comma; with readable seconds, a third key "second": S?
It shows {"hour": 11, "minute": 52}
